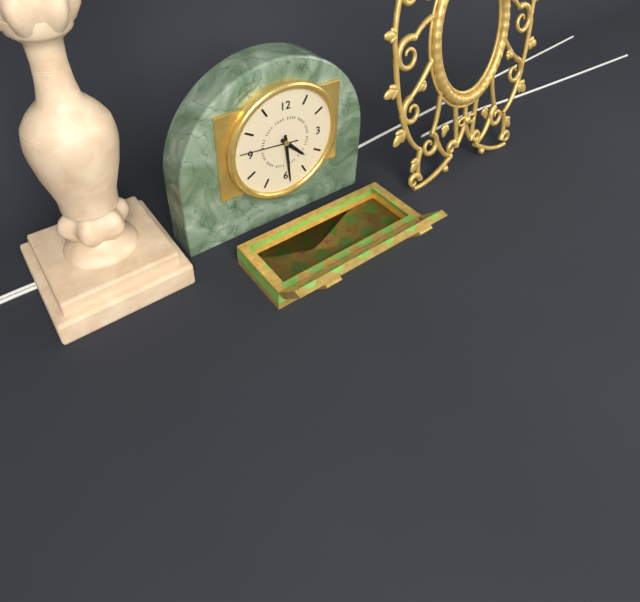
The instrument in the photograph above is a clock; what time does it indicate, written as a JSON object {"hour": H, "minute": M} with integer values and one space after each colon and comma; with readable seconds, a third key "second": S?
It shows {"hour": 4, "minute": 29, "second": 46}
